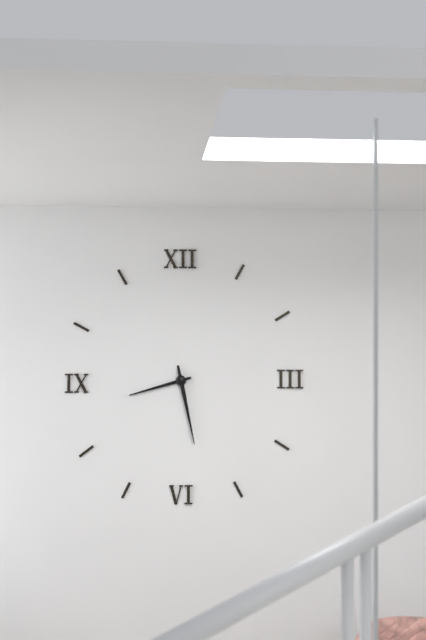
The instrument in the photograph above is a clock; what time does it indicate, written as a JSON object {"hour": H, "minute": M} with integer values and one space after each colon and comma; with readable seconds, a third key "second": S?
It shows {"hour": 8, "minute": 28}
